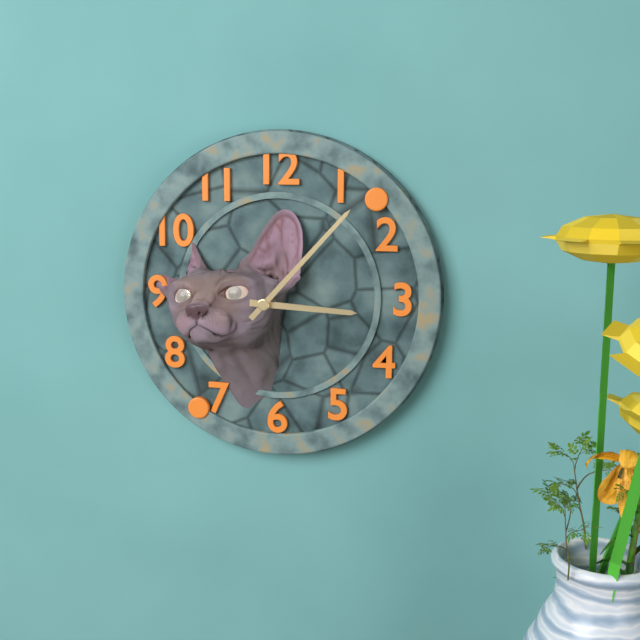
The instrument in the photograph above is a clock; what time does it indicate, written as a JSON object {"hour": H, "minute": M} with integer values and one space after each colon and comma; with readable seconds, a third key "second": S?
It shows {"hour": 3, "minute": 7}
